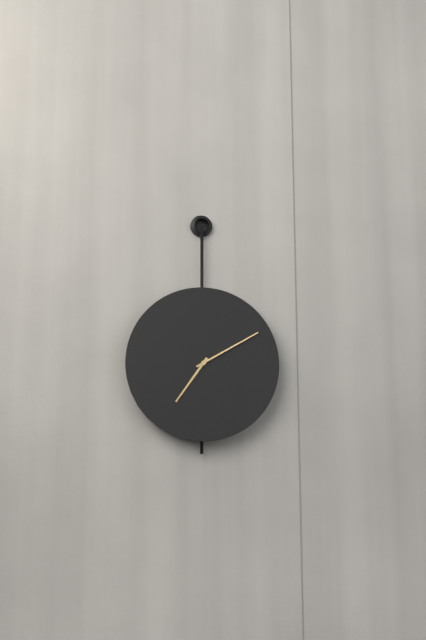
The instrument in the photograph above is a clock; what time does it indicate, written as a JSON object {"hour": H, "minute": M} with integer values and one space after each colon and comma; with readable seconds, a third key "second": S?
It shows {"hour": 7, "minute": 10}
